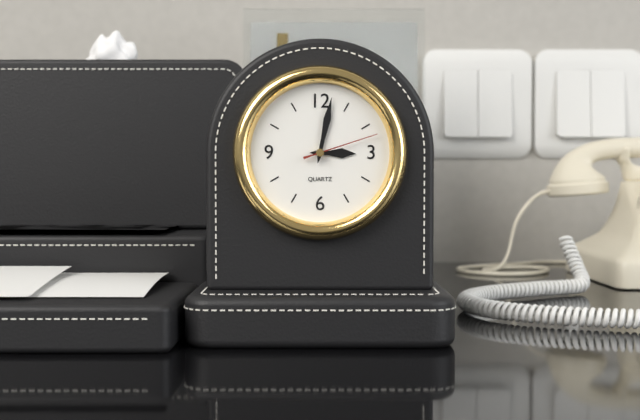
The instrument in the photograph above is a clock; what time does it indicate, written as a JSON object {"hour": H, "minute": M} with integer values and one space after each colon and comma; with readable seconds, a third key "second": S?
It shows {"hour": 3, "minute": 2, "second": 12}
